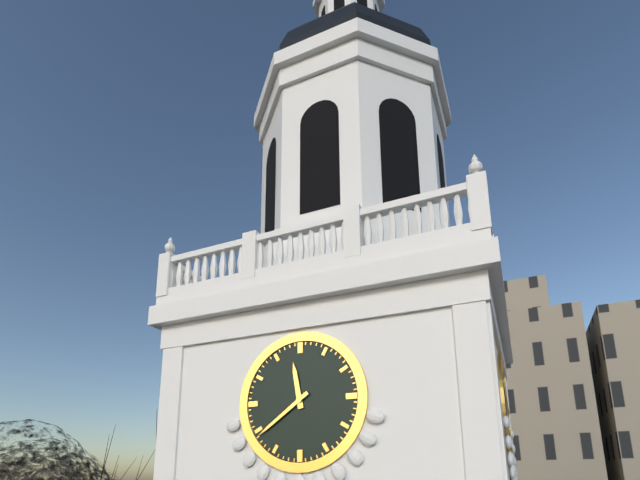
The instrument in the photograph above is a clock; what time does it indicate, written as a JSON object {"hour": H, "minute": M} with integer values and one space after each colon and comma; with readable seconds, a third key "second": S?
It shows {"hour": 11, "minute": 39}
